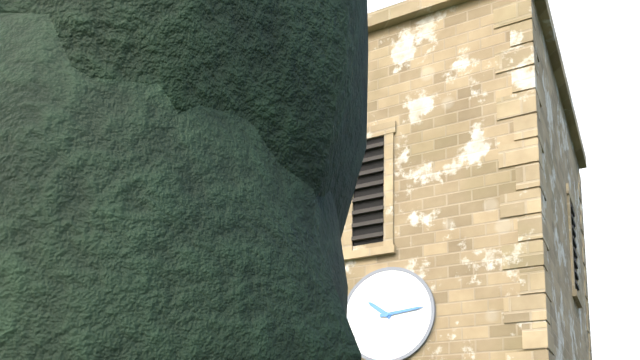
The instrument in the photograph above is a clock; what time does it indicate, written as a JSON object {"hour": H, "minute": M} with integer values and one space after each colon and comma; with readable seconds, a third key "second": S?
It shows {"hour": 10, "minute": 14}
